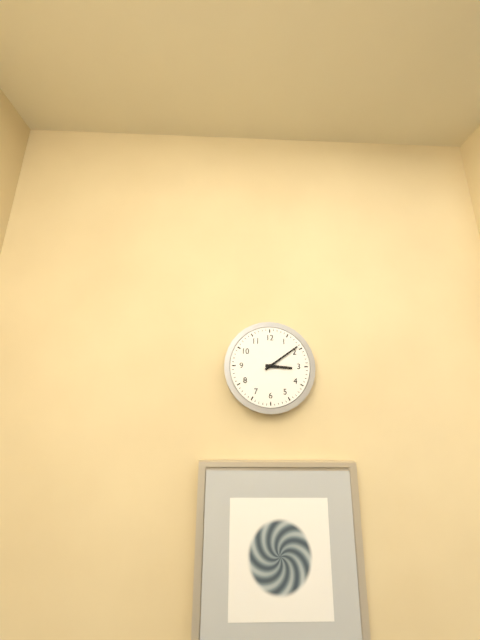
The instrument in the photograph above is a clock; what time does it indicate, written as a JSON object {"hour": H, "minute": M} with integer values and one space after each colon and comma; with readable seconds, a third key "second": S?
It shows {"hour": 3, "minute": 9}
